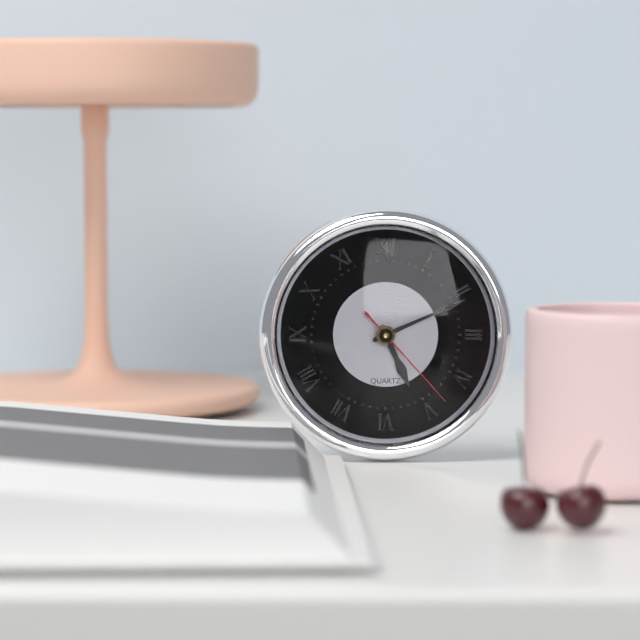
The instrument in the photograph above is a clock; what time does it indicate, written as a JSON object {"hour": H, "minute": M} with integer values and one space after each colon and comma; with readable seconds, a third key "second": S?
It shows {"hour": 5, "minute": 11, "second": 23}
